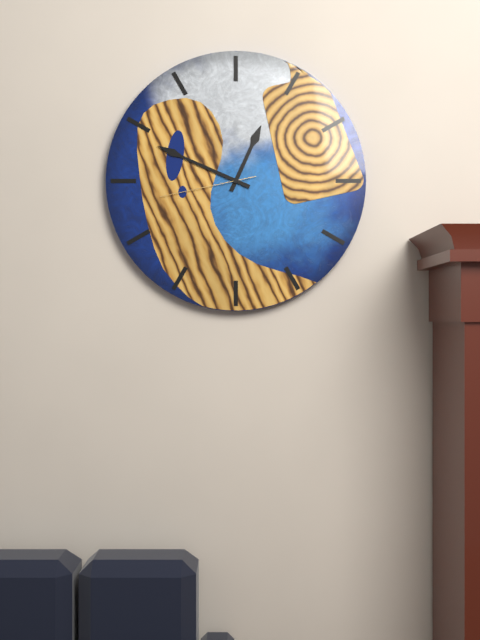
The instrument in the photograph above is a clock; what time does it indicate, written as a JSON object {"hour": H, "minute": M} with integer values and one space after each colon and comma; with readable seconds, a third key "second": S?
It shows {"hour": 12, "minute": 49, "second": 43}
